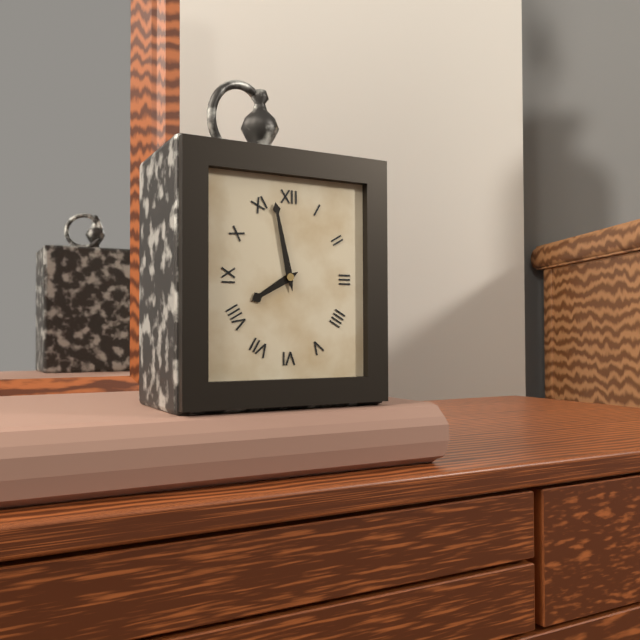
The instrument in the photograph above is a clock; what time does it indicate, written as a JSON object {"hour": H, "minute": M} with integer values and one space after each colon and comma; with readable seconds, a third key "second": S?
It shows {"hour": 7, "minute": 58}
